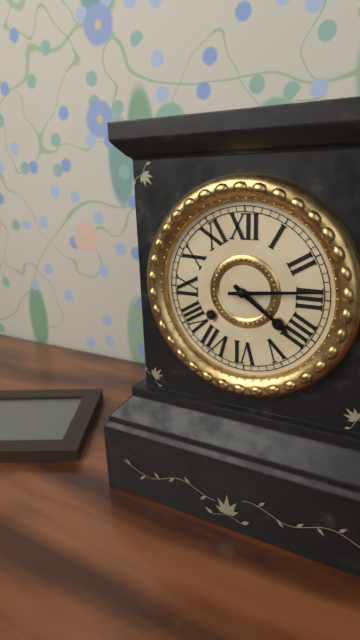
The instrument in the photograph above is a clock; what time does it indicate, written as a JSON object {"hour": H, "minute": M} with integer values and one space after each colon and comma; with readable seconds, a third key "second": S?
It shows {"hour": 4, "minute": 14}
